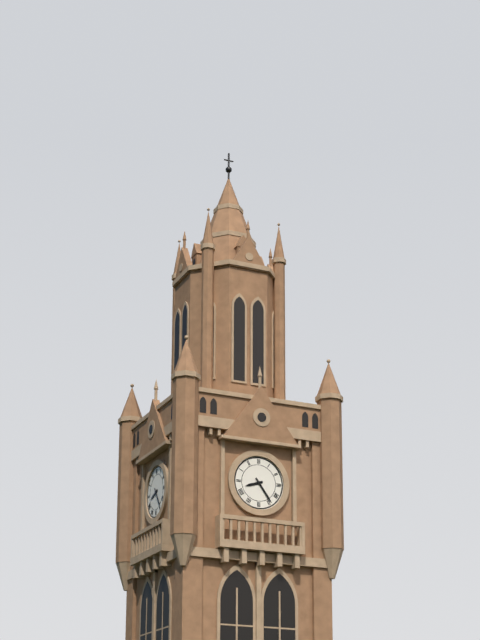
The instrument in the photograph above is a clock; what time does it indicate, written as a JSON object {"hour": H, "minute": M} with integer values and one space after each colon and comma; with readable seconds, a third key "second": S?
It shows {"hour": 8, "minute": 24}
